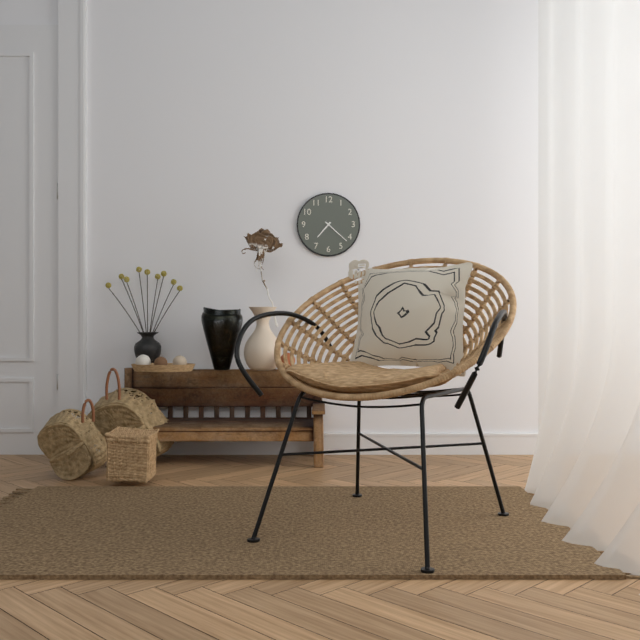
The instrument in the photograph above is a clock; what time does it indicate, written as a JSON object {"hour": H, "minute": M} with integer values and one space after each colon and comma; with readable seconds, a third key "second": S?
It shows {"hour": 7, "minute": 22}
